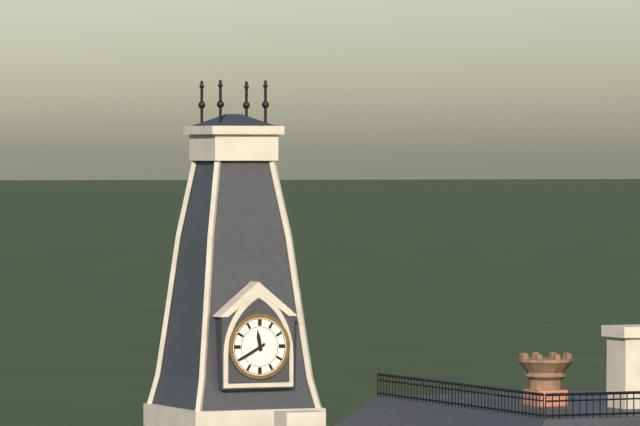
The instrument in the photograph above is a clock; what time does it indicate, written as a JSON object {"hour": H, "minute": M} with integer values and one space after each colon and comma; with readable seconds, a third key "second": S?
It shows {"hour": 11, "minute": 40}
